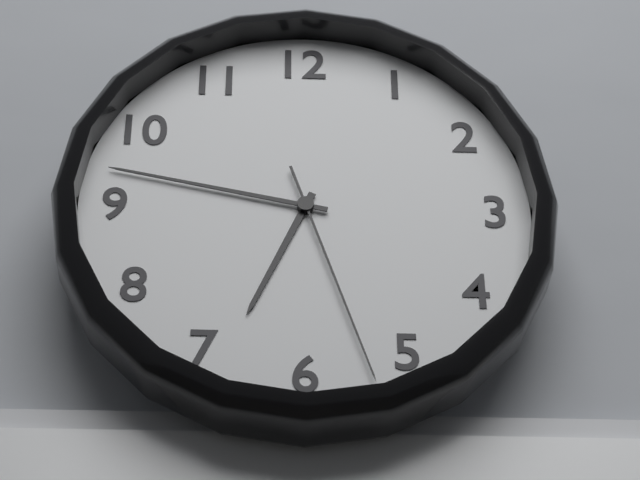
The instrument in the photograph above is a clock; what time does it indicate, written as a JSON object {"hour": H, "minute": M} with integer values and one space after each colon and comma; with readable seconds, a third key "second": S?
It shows {"hour": 6, "minute": 47, "second": 27}
